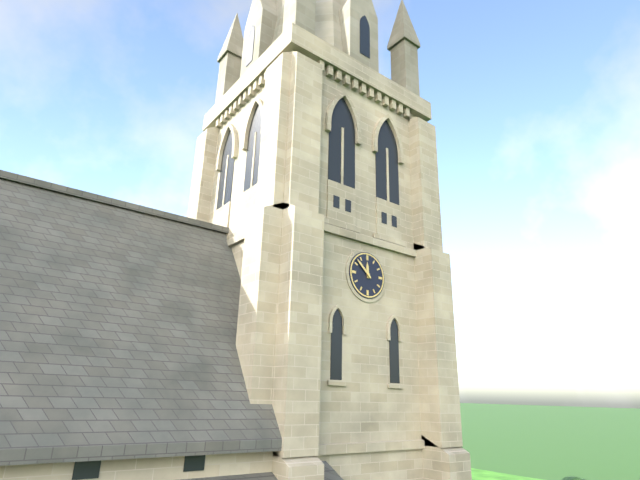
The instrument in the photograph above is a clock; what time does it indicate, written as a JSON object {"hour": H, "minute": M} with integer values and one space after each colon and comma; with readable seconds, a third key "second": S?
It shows {"hour": 11, "minute": 52}
